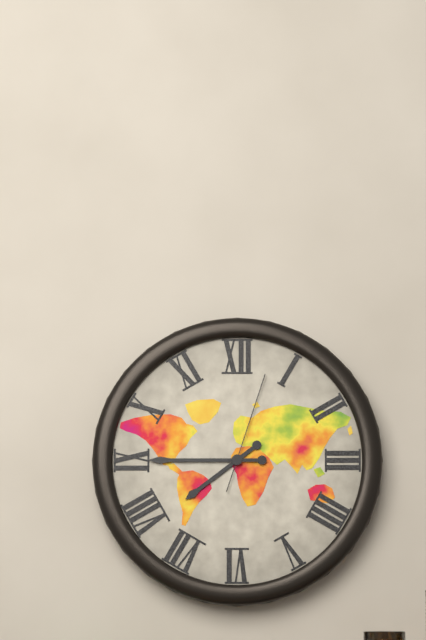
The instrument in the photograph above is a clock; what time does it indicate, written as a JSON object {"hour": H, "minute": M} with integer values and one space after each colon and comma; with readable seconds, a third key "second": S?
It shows {"hour": 7, "minute": 45, "second": 3}
